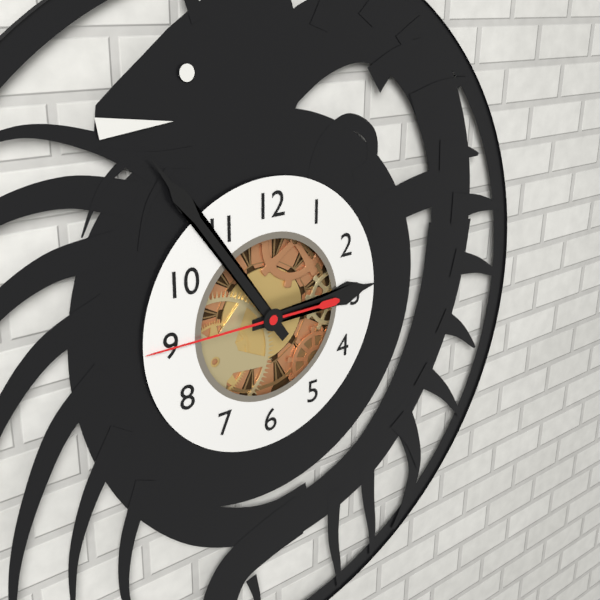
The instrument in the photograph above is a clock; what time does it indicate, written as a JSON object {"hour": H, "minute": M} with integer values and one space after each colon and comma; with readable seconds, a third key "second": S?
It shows {"hour": 2, "minute": 54, "second": 45}
